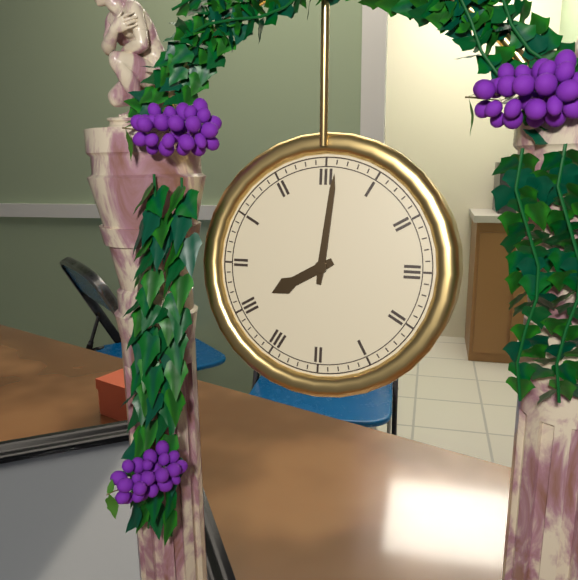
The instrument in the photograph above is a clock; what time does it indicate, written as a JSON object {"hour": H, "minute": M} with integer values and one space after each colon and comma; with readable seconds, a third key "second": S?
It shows {"hour": 8, "minute": 1}
